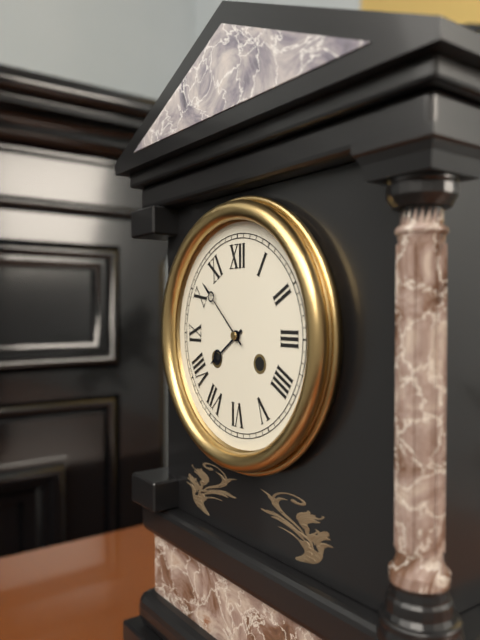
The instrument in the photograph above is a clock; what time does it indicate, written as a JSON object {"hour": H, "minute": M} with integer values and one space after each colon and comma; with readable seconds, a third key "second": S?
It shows {"hour": 7, "minute": 52}
